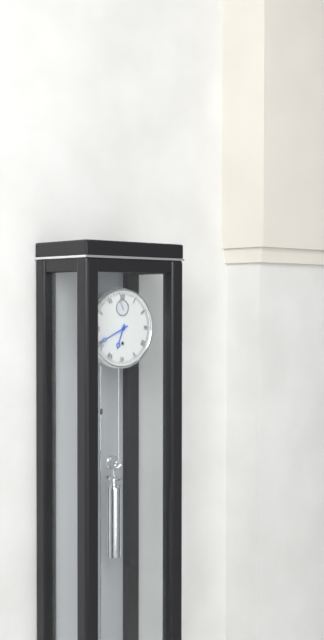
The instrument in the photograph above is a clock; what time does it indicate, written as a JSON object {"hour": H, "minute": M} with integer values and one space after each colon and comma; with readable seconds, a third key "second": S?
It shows {"hour": 6, "minute": 41}
